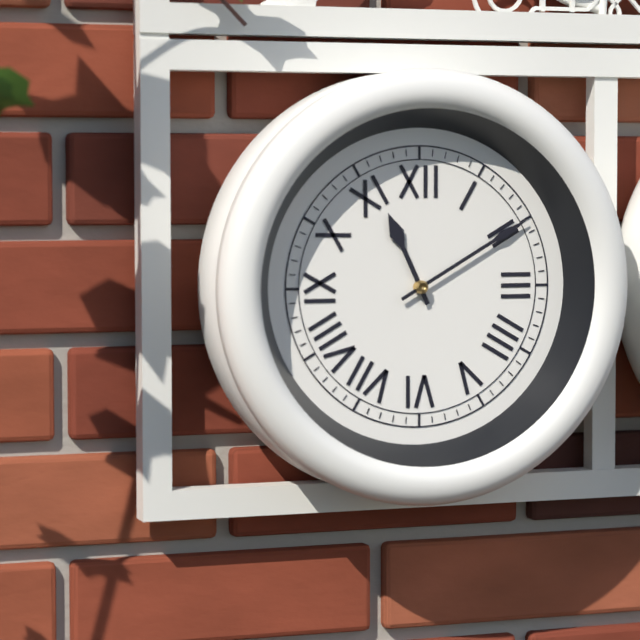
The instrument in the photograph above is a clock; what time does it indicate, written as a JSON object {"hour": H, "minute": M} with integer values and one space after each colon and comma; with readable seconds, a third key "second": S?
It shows {"hour": 11, "minute": 10}
